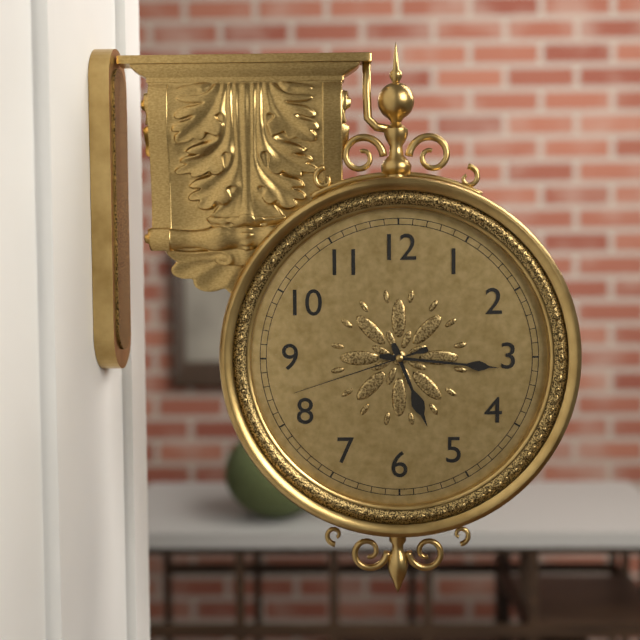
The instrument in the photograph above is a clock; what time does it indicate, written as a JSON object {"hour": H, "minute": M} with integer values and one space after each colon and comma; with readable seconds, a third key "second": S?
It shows {"hour": 5, "minute": 16, "second": 42}
